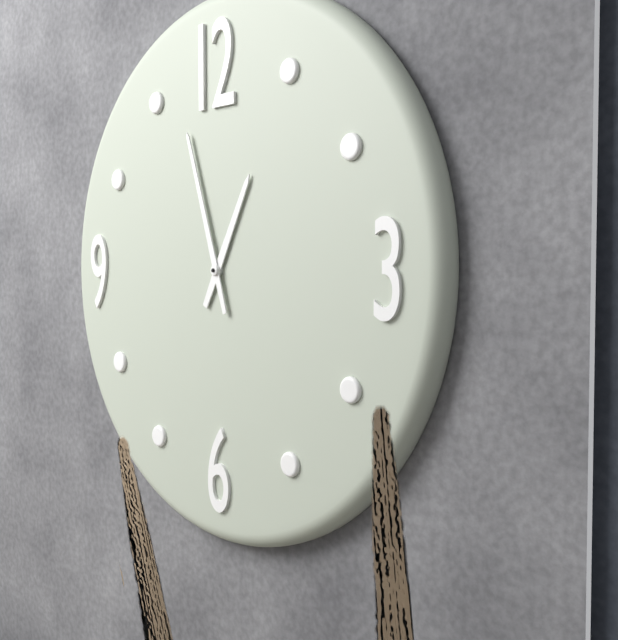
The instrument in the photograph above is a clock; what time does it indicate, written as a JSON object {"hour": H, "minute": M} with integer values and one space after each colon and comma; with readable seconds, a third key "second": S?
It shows {"hour": 12, "minute": 57}
